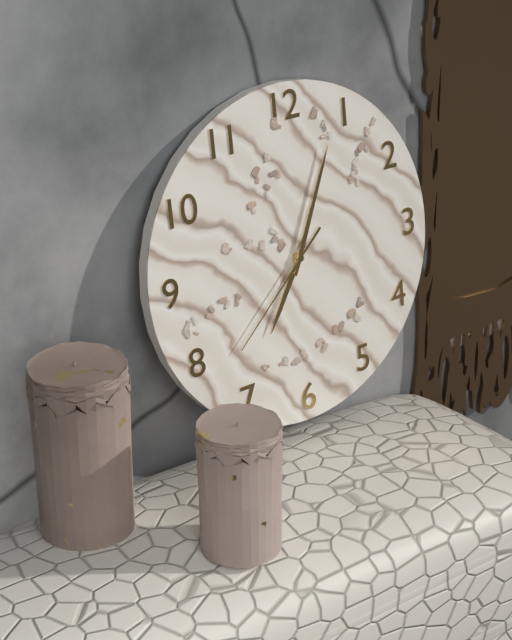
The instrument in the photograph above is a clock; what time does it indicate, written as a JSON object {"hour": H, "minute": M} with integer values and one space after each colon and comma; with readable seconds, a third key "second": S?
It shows {"hour": 7, "minute": 4, "second": 38}
